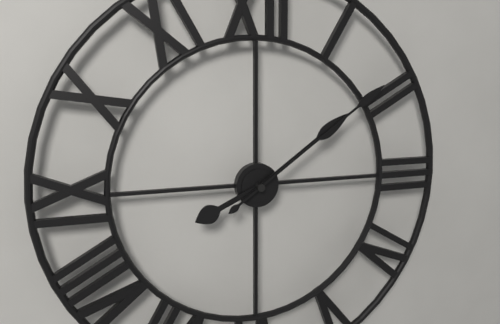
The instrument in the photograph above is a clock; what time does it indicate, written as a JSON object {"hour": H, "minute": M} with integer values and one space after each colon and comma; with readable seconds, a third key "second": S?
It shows {"hour": 8, "minute": 9, "second": 9}
